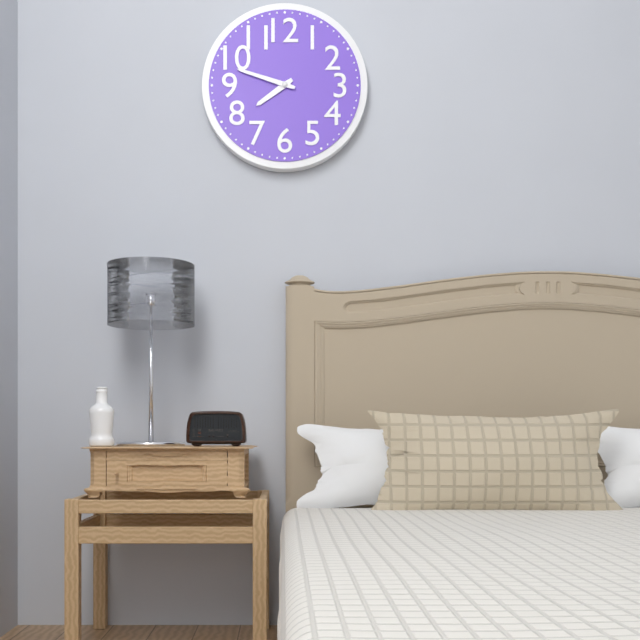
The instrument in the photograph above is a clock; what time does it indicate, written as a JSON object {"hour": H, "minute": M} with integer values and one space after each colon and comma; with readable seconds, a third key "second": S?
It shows {"hour": 7, "minute": 48}
